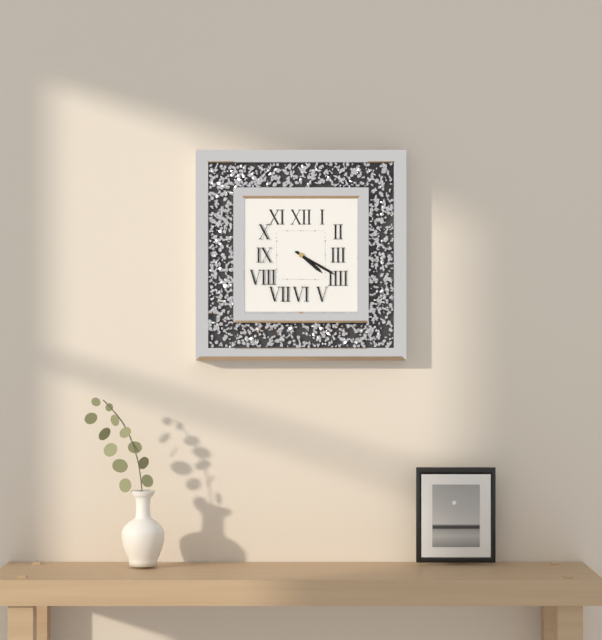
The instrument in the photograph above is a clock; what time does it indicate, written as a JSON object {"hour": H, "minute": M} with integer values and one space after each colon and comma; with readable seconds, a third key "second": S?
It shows {"hour": 4, "minute": 20}
